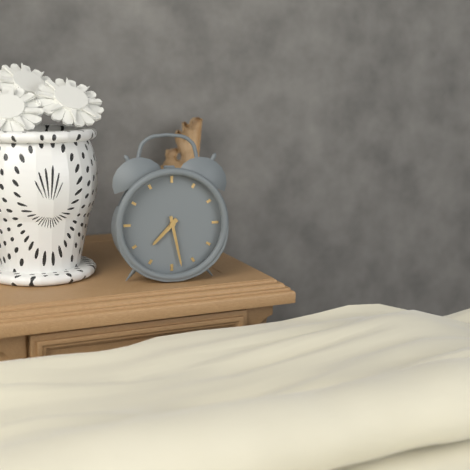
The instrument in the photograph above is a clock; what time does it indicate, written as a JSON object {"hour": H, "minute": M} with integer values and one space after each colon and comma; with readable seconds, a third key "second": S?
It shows {"hour": 7, "minute": 28}
